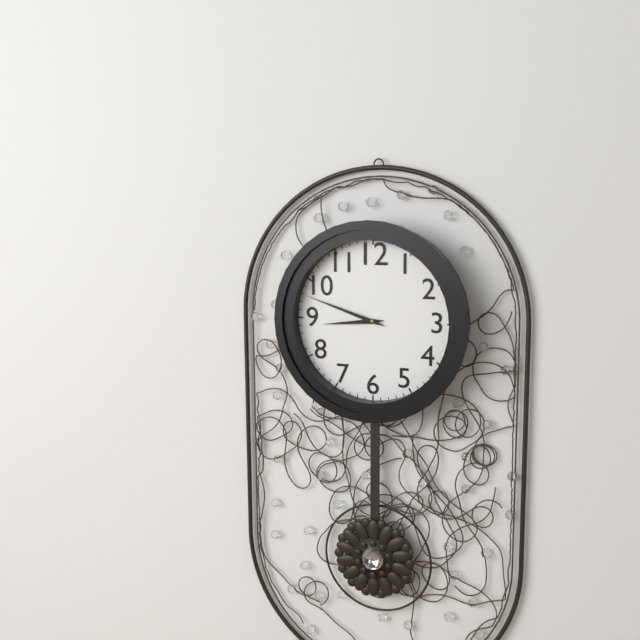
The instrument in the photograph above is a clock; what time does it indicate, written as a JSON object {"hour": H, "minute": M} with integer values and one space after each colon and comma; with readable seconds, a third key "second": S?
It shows {"hour": 8, "minute": 48}
